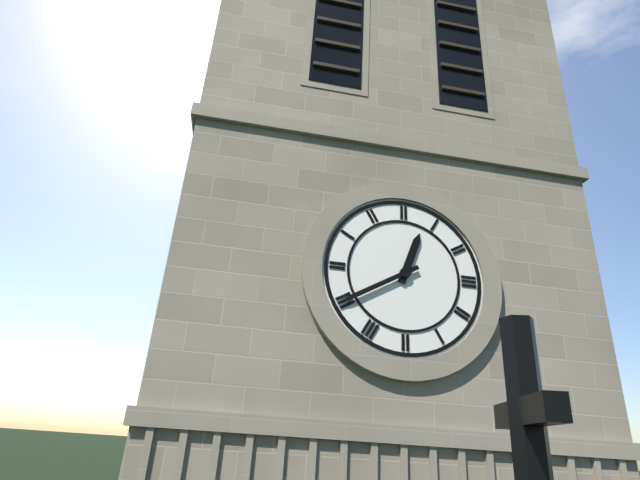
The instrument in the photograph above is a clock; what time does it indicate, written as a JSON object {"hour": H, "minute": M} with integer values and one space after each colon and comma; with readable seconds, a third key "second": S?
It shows {"hour": 12, "minute": 40}
